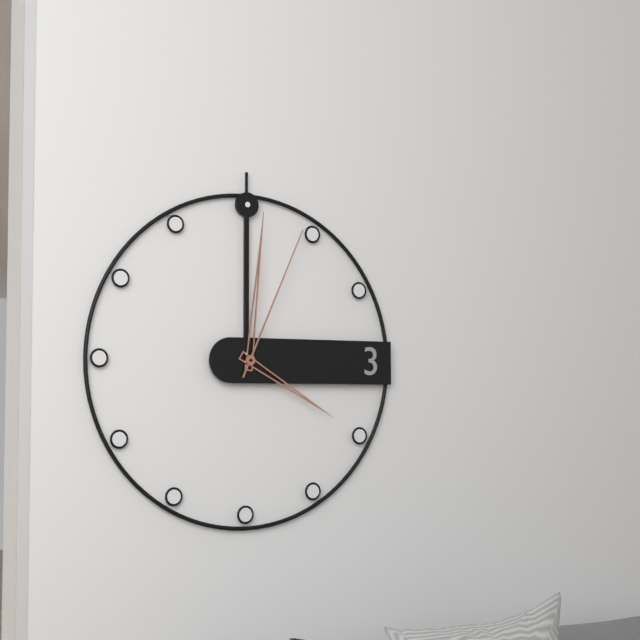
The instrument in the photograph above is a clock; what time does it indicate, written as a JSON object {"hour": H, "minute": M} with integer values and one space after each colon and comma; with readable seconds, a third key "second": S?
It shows {"hour": 4, "minute": 1, "second": 4}
